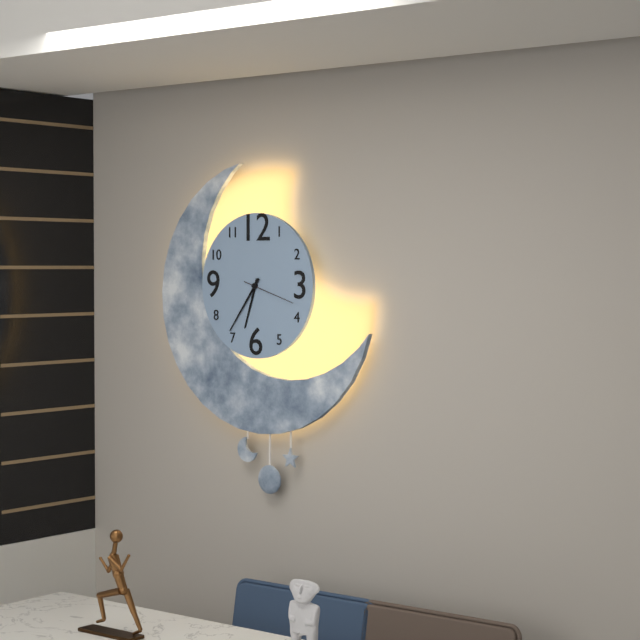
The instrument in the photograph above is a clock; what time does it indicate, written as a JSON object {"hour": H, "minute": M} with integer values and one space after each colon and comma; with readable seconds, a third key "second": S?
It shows {"hour": 6, "minute": 36}
